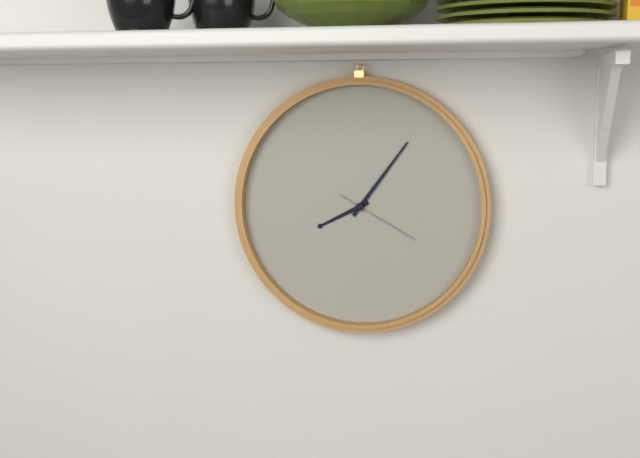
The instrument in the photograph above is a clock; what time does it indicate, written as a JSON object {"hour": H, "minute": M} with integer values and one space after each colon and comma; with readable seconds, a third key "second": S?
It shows {"hour": 8, "minute": 6, "second": 20}
